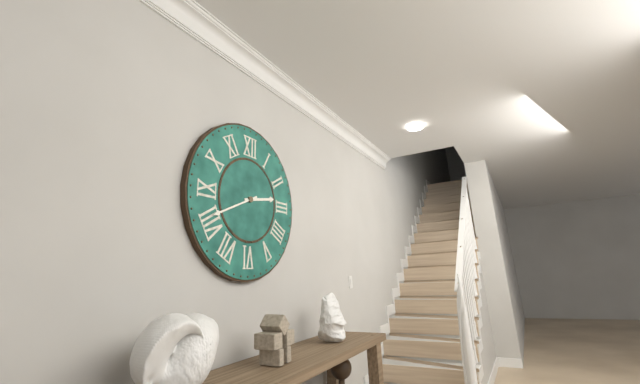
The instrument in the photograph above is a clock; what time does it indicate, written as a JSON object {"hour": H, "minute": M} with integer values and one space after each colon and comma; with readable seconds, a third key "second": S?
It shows {"hour": 2, "minute": 41}
